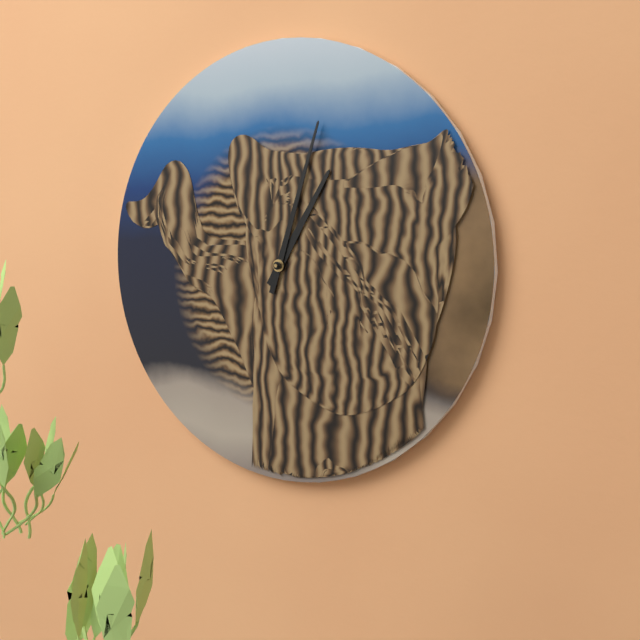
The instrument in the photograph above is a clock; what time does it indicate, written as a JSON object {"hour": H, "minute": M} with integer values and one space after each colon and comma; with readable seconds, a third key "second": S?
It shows {"hour": 1, "minute": 3}
